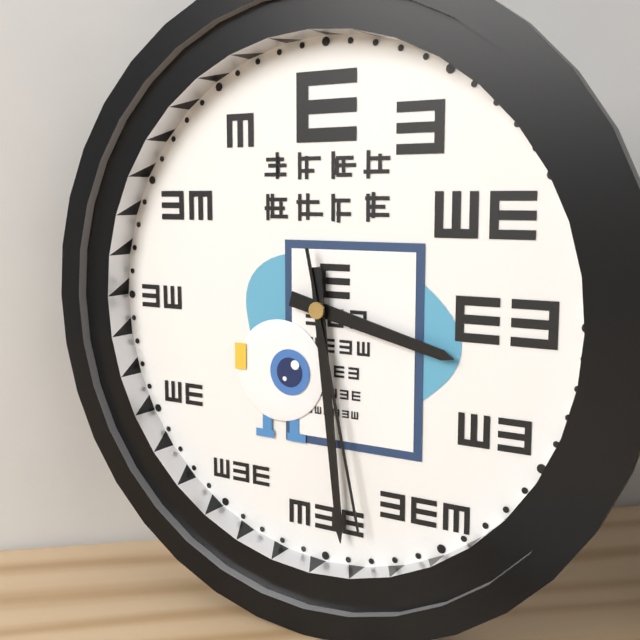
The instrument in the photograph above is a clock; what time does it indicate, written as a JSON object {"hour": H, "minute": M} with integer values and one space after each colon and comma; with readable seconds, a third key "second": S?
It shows {"hour": 3, "minute": 29, "second": 28}
